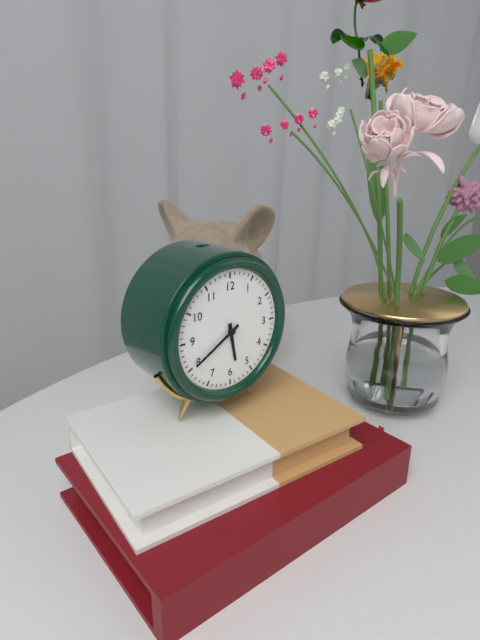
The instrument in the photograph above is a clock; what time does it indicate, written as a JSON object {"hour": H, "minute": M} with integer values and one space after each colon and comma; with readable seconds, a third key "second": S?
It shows {"hour": 5, "minute": 40}
